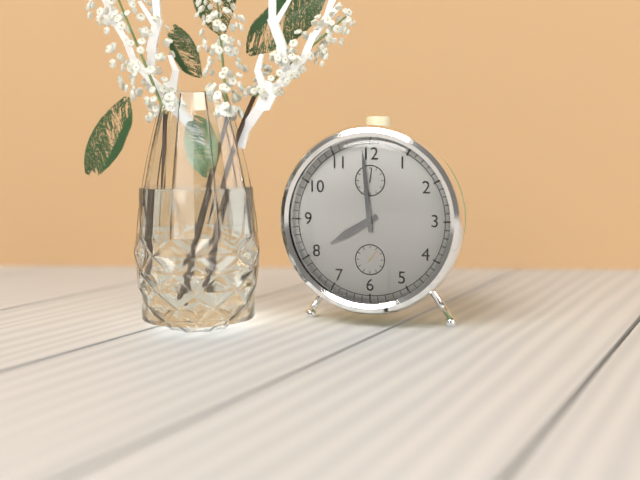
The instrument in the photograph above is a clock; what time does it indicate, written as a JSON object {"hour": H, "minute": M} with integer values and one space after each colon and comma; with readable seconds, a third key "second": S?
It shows {"hour": 7, "minute": 59}
